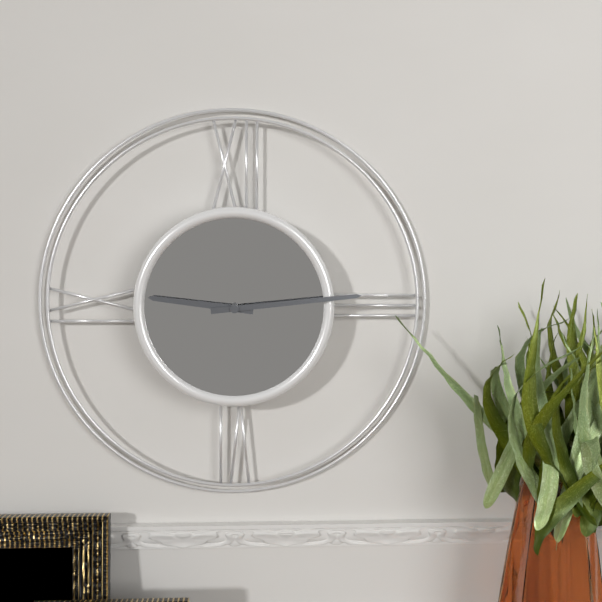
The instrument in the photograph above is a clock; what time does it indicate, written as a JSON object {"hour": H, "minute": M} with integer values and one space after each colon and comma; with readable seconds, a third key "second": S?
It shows {"hour": 9, "minute": 14}
